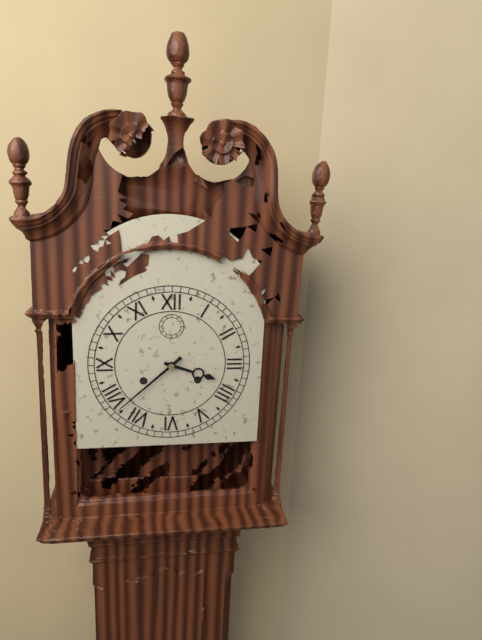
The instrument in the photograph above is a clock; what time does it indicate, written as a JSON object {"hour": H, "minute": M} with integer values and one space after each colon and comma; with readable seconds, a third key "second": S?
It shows {"hour": 3, "minute": 38}
